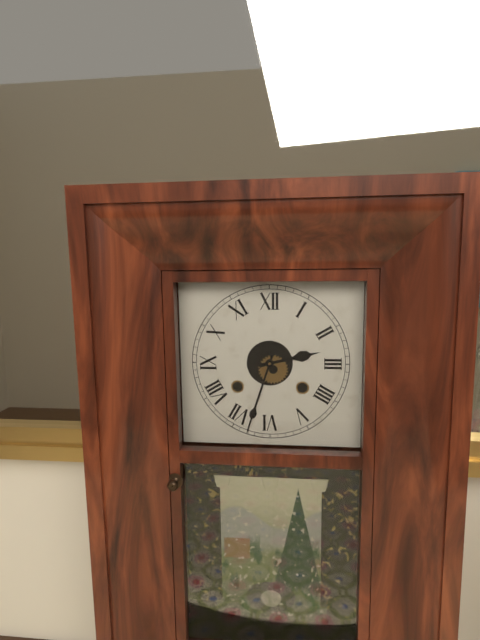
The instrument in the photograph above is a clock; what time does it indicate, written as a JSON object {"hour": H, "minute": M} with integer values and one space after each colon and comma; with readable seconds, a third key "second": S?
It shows {"hour": 2, "minute": 33}
